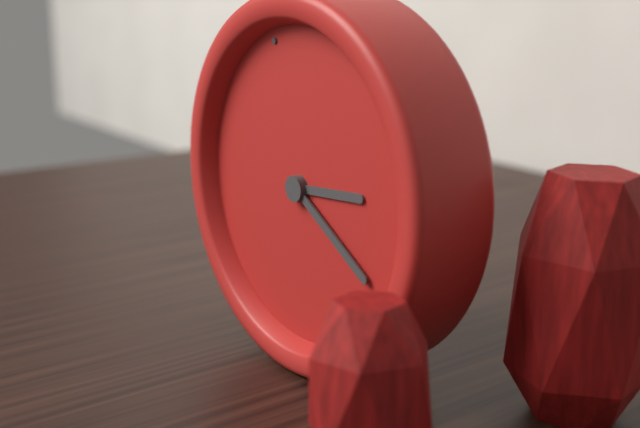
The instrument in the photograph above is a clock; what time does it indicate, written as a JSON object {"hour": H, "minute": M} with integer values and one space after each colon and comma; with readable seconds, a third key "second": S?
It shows {"hour": 3, "minute": 23}
